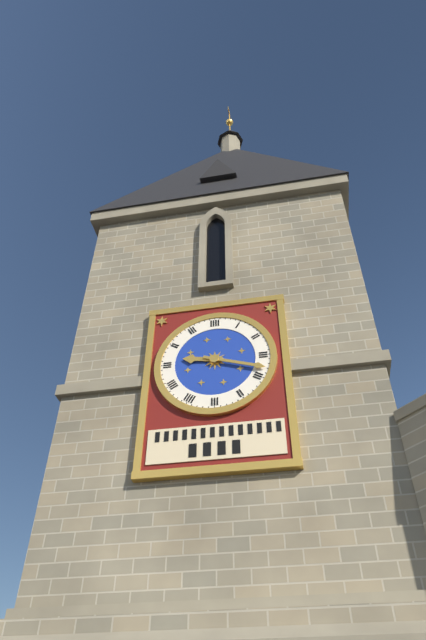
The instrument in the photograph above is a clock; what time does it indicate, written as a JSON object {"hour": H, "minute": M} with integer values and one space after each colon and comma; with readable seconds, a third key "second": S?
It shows {"hour": 9, "minute": 18}
